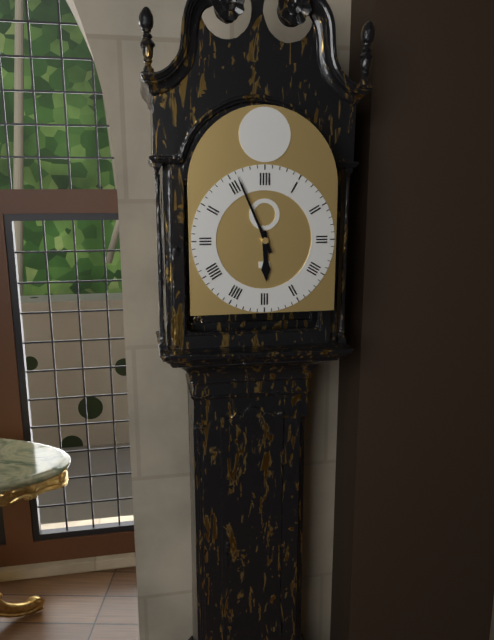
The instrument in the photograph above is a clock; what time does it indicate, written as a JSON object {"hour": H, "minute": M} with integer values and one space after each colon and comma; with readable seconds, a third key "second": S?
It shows {"hour": 5, "minute": 56}
